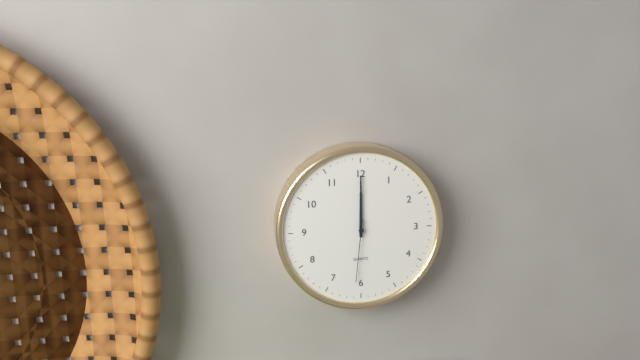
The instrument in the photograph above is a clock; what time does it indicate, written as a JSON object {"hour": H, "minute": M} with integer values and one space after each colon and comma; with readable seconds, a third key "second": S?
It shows {"hour": 12, "minute": 0, "second": 31}
